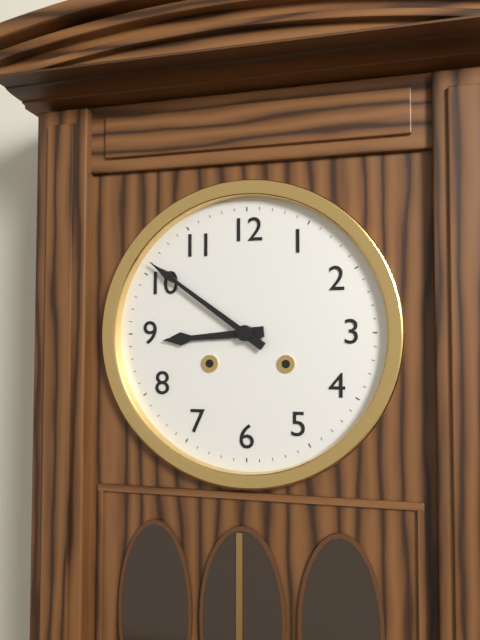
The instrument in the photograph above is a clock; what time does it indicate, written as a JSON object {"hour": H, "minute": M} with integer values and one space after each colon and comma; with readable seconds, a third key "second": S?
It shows {"hour": 8, "minute": 51}
